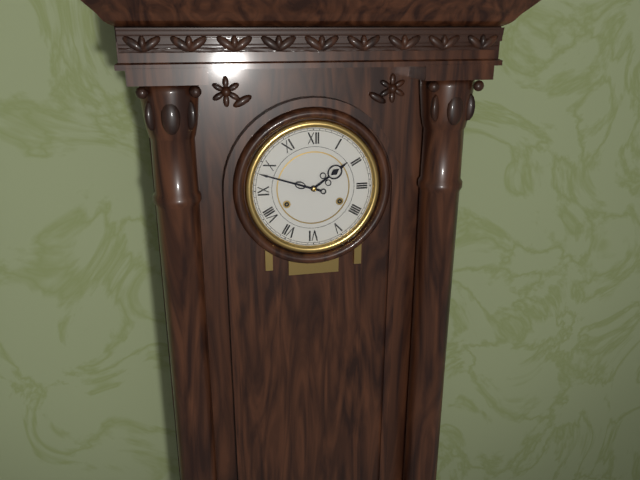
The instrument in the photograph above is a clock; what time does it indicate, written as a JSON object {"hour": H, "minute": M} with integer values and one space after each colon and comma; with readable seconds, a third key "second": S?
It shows {"hour": 1, "minute": 48}
